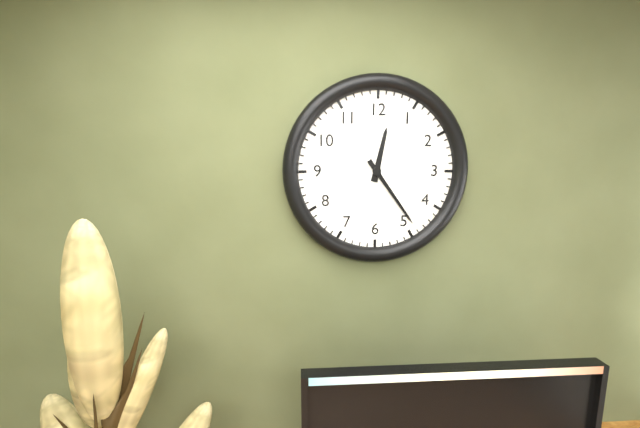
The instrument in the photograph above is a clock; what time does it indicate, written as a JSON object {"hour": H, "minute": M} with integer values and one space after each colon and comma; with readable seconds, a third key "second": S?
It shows {"hour": 12, "minute": 24}
